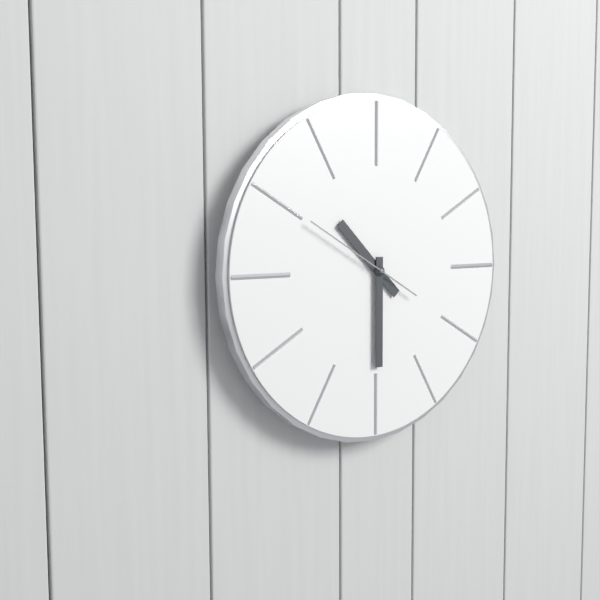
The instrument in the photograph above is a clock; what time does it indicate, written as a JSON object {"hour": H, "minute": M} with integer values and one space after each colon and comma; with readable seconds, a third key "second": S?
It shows {"hour": 10, "minute": 30, "second": 50}
